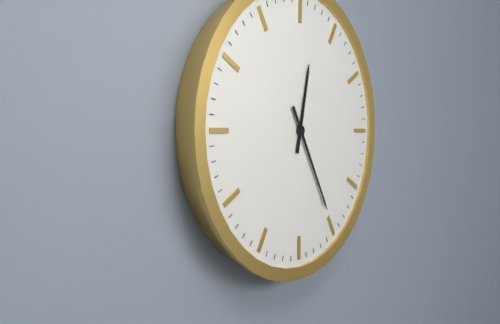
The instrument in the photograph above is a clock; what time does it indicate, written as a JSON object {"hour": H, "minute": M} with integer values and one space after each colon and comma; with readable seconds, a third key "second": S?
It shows {"hour": 12, "minute": 25}
